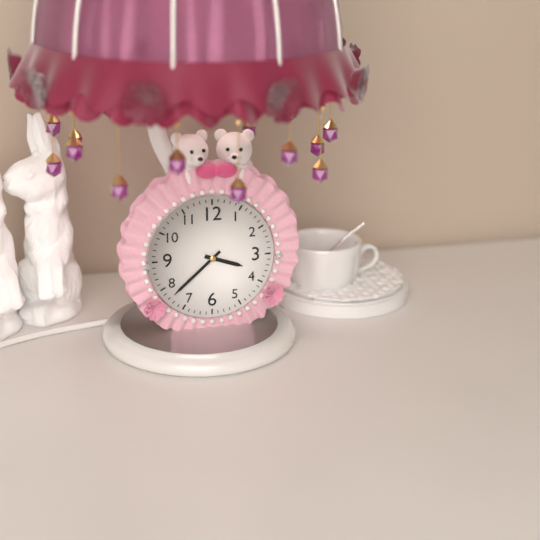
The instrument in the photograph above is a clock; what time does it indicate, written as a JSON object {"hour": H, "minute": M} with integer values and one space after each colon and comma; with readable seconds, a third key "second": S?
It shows {"hour": 3, "minute": 38}
